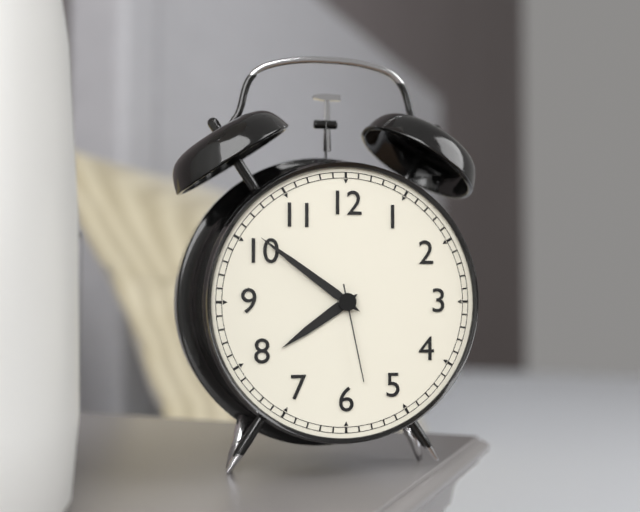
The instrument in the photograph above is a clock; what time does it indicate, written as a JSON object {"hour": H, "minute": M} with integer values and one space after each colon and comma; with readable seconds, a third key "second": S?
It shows {"hour": 7, "minute": 51, "second": 28}
